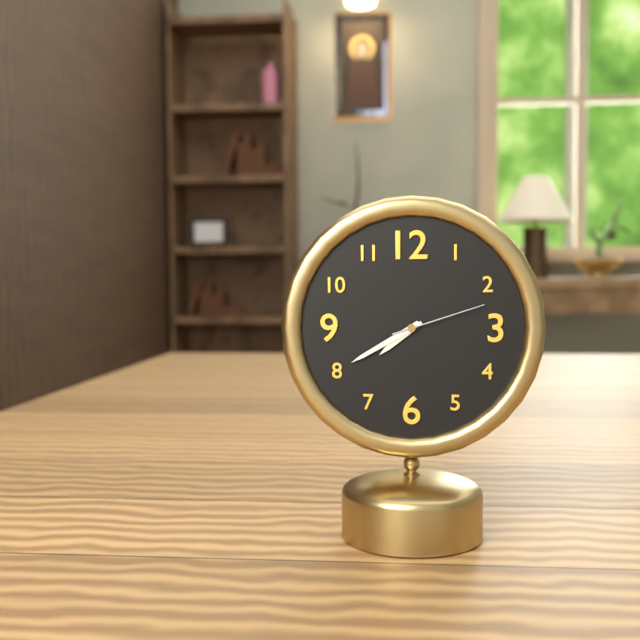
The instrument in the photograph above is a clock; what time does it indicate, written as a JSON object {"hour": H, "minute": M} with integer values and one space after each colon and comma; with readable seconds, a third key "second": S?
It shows {"hour": 7, "minute": 40, "second": 12}
